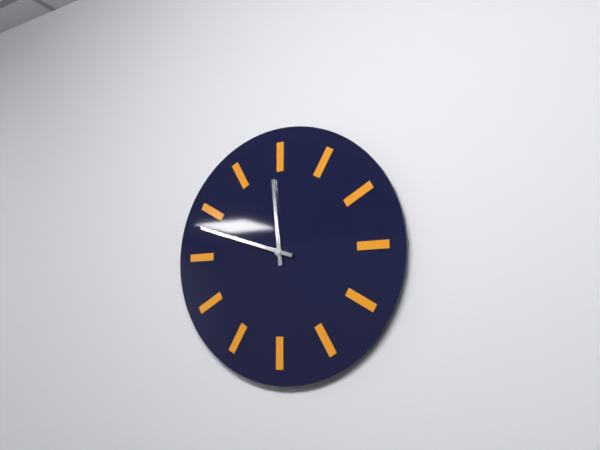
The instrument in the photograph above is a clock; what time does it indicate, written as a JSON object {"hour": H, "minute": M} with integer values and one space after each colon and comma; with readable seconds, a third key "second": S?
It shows {"hour": 11, "minute": 48}
